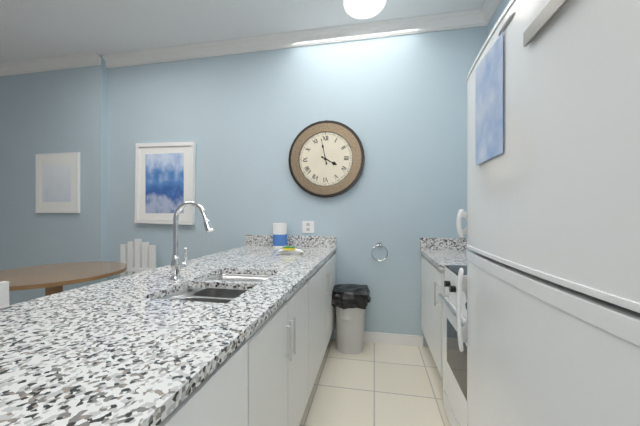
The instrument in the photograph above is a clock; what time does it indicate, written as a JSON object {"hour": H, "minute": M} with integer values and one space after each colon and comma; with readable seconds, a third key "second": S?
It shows {"hour": 3, "minute": 58}
